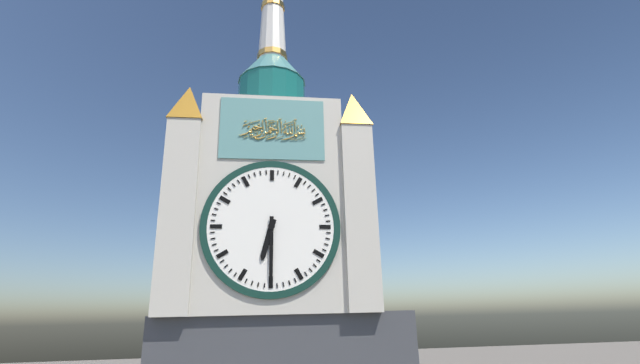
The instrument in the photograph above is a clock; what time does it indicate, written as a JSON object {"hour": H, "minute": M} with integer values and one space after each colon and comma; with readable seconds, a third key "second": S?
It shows {"hour": 6, "minute": 30}
